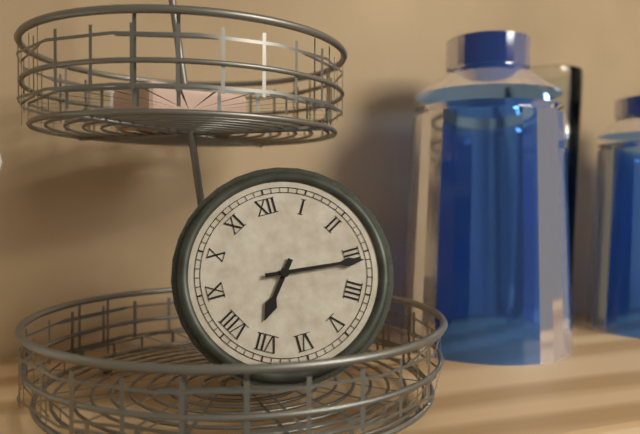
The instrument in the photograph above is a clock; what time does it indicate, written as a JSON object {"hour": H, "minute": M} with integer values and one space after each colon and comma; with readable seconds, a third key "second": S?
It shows {"hour": 7, "minute": 16}
